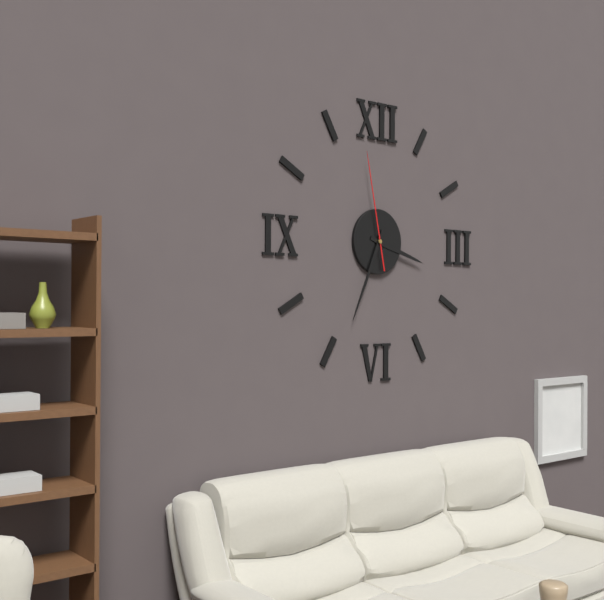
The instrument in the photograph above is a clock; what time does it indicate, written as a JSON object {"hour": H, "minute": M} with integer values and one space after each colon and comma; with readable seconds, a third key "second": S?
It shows {"hour": 3, "minute": 34, "second": 58}
